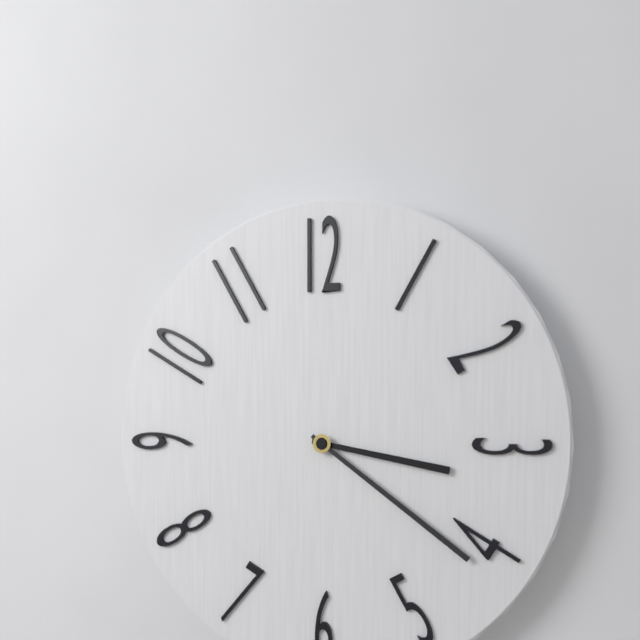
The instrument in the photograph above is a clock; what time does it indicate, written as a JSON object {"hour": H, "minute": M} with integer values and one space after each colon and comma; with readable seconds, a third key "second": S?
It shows {"hour": 3, "minute": 21}
